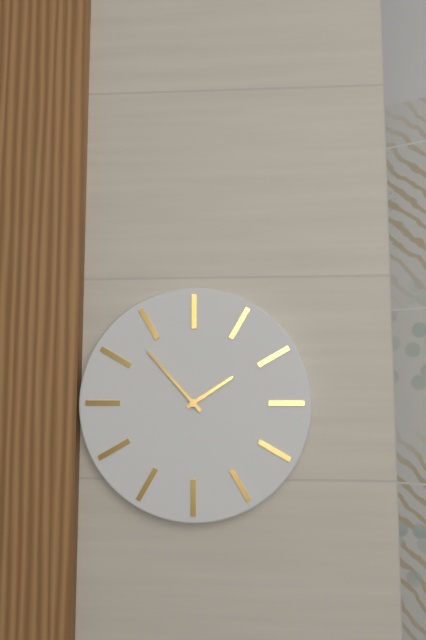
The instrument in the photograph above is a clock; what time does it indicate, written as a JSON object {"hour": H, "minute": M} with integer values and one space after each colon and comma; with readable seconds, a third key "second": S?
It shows {"hour": 1, "minute": 53}
